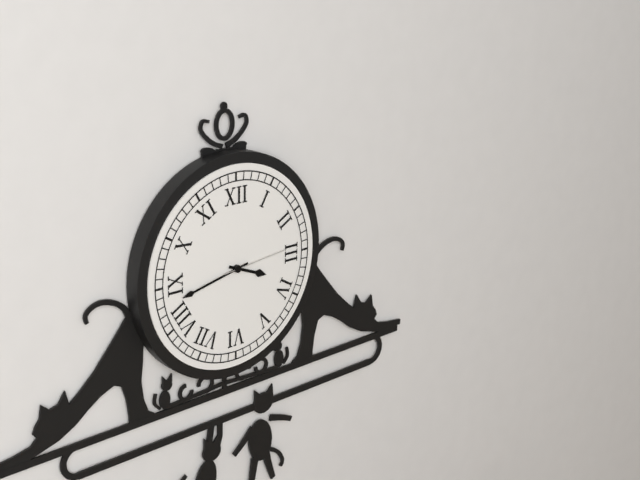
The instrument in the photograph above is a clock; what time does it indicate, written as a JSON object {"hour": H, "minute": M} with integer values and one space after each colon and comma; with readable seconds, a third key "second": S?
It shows {"hour": 3, "minute": 43, "second": 14}
